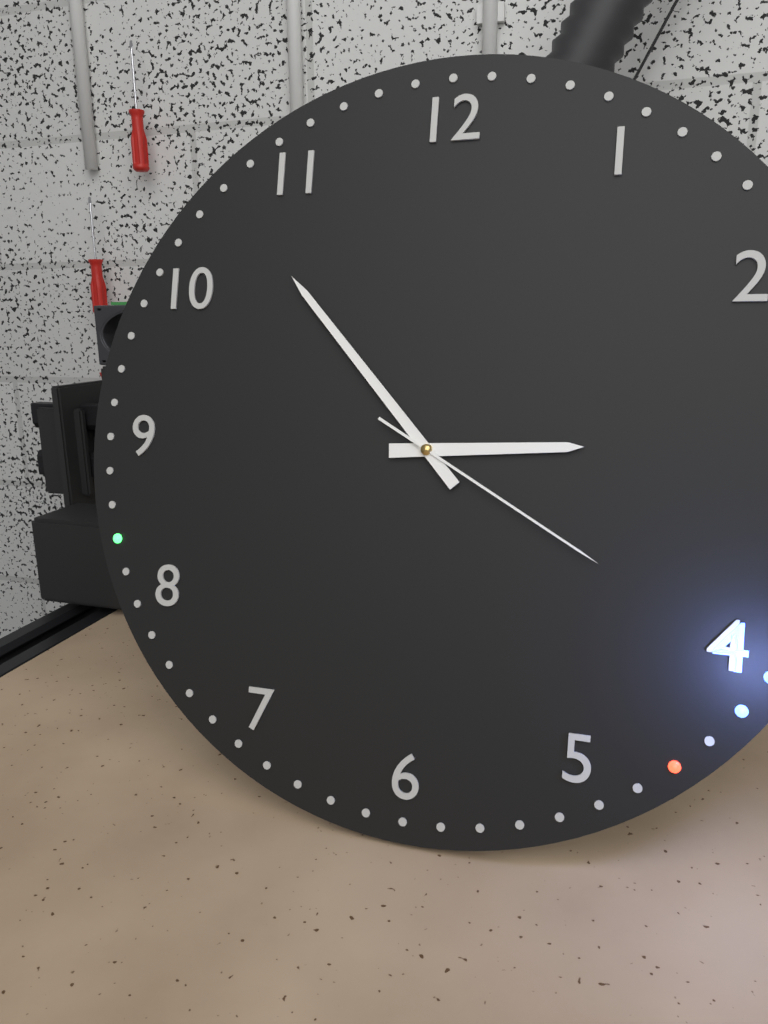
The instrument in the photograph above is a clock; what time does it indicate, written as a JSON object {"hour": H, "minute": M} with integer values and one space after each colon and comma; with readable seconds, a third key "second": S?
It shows {"hour": 2, "minute": 53, "second": 20}
